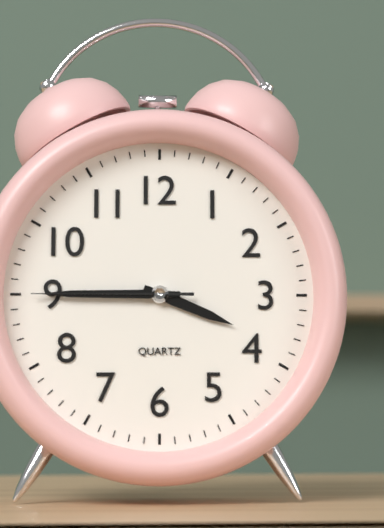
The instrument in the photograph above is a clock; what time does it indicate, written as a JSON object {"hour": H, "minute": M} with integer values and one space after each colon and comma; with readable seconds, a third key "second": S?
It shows {"hour": 3, "minute": 45, "second": 45}
